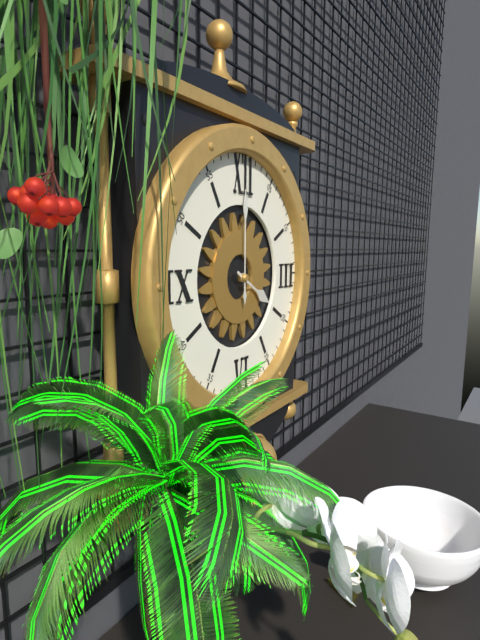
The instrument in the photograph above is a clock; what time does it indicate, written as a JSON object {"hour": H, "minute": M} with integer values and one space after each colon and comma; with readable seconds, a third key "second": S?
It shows {"hour": 4, "minute": 0}
